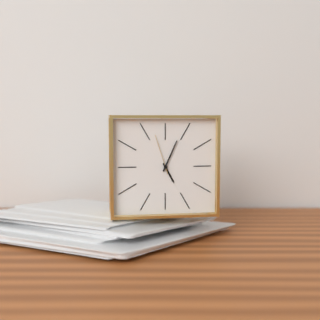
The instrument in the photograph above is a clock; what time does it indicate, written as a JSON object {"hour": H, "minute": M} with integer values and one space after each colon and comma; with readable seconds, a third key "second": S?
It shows {"hour": 5, "minute": 4}
